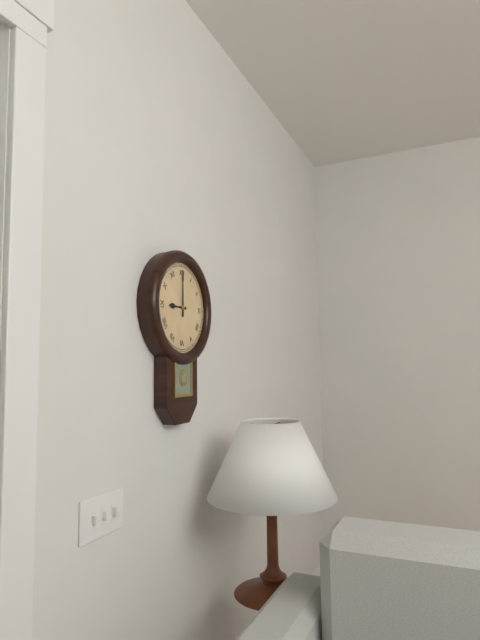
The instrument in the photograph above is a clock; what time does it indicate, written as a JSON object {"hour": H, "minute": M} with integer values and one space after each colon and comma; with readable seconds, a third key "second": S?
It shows {"hour": 9, "minute": 0}
